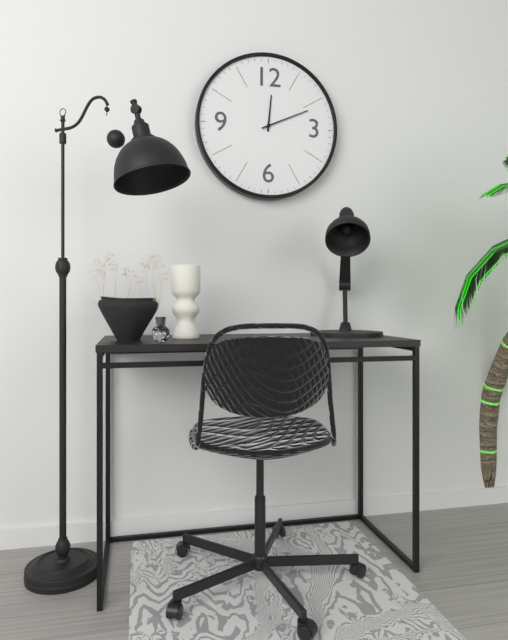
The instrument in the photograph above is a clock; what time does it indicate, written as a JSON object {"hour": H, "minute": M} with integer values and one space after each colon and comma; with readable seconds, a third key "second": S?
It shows {"hour": 12, "minute": 11}
